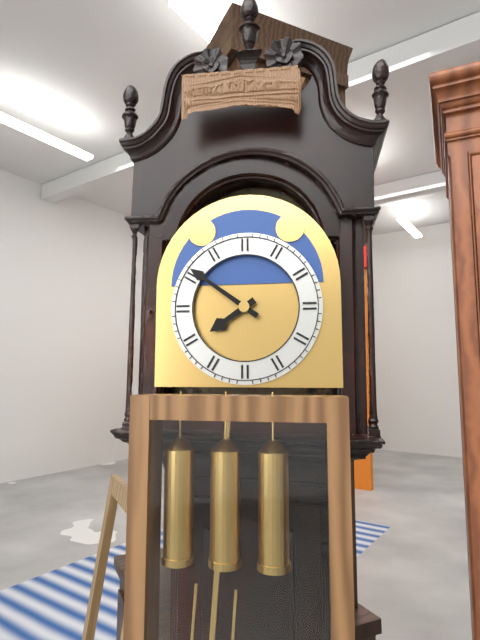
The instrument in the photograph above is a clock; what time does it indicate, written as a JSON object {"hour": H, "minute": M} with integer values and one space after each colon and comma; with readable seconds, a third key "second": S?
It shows {"hour": 7, "minute": 51}
